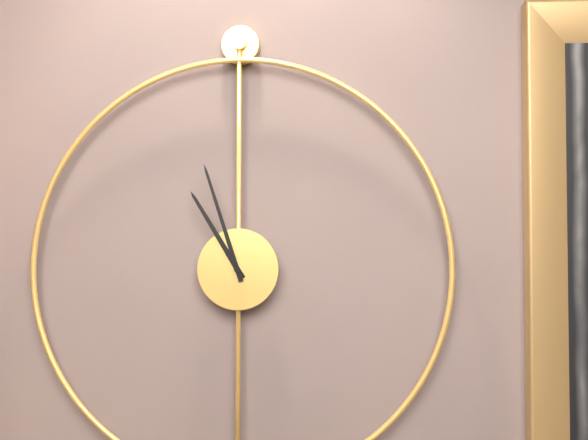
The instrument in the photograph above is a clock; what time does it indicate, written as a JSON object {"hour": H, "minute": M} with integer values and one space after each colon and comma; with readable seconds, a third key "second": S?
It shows {"hour": 10, "minute": 57}
